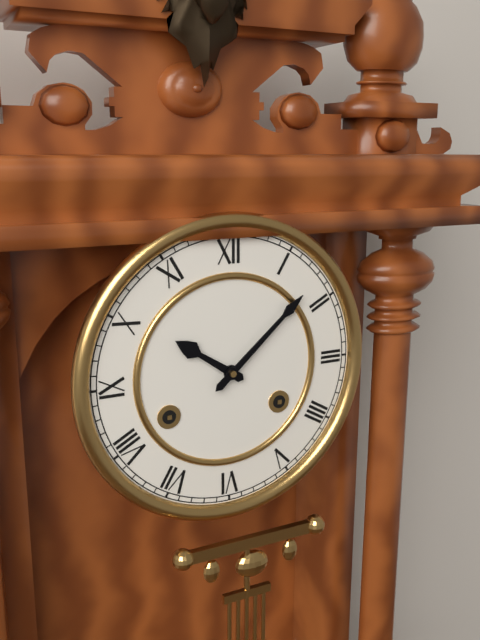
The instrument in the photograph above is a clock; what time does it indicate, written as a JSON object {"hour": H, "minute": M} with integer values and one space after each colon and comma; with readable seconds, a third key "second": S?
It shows {"hour": 10, "minute": 8}
